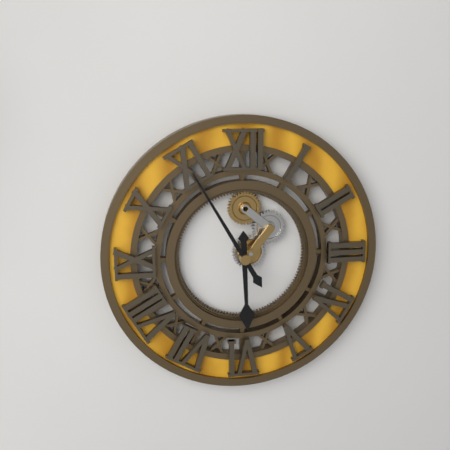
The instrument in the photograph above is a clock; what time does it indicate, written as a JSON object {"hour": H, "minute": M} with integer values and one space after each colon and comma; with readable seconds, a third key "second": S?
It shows {"hour": 5, "minute": 55}
